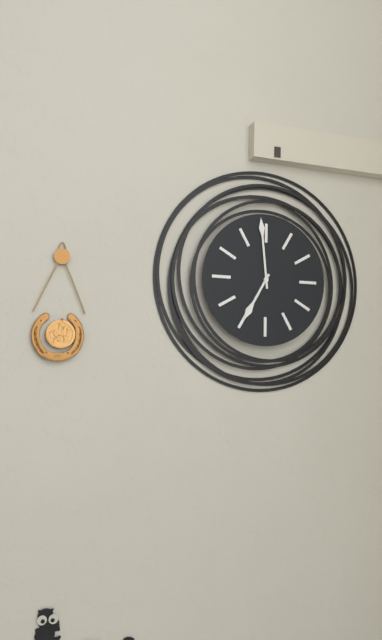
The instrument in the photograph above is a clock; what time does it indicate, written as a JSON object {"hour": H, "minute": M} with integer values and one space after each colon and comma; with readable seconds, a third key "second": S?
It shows {"hour": 6, "minute": 59}
